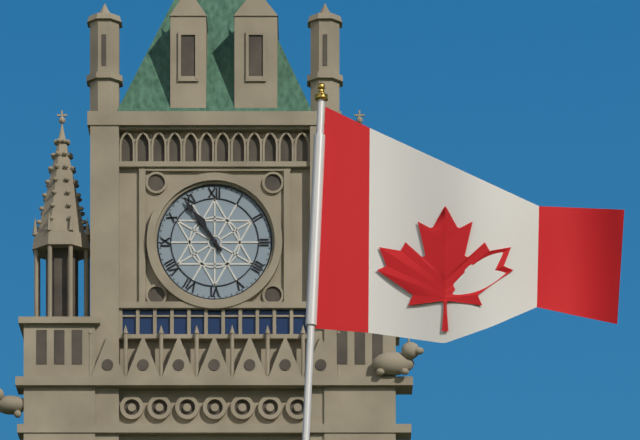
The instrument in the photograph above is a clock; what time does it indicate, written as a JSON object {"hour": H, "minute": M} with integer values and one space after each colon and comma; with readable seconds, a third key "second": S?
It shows {"hour": 10, "minute": 54}
